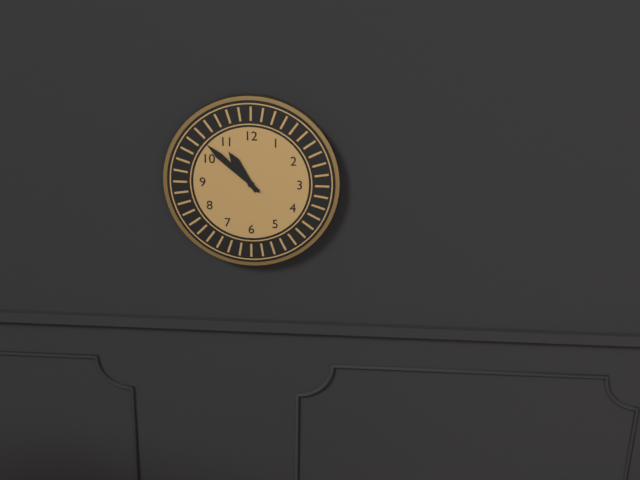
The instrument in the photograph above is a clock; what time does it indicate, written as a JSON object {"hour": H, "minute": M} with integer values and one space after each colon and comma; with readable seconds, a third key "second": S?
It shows {"hour": 10, "minute": 52}
